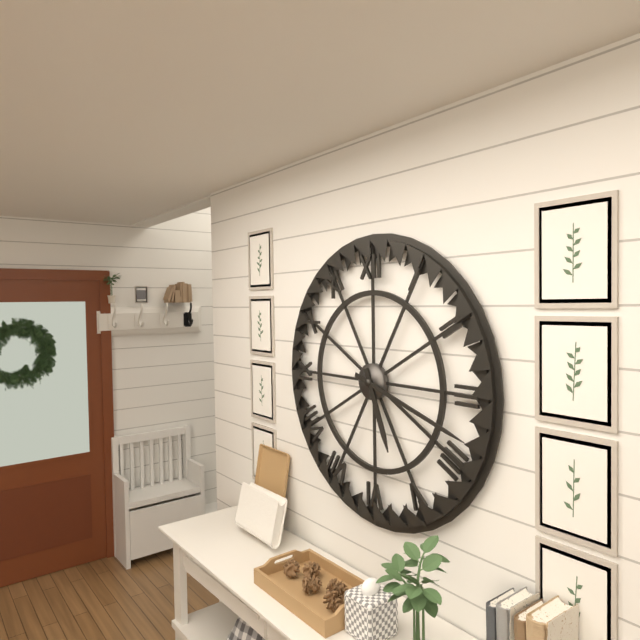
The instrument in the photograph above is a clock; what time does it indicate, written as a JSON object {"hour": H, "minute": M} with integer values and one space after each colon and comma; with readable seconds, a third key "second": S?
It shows {"hour": 5, "minute": 18}
